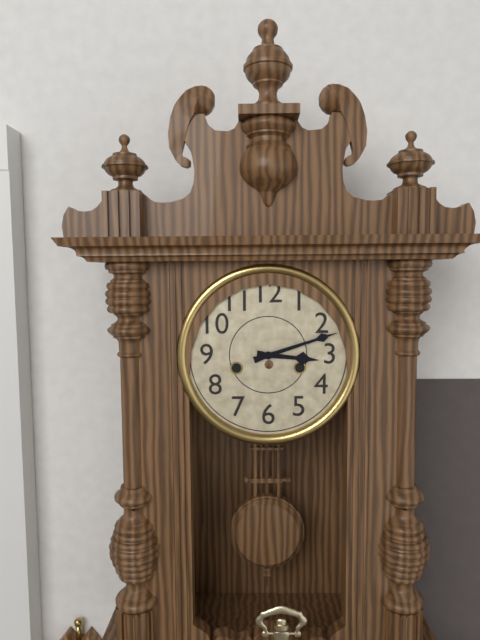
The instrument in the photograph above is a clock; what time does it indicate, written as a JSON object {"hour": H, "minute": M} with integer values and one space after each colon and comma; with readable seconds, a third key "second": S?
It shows {"hour": 3, "minute": 12}
